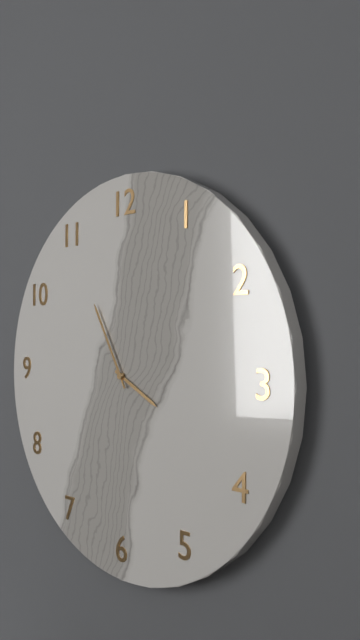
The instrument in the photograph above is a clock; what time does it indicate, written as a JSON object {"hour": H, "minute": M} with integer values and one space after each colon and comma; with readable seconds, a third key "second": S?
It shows {"hour": 3, "minute": 55}
